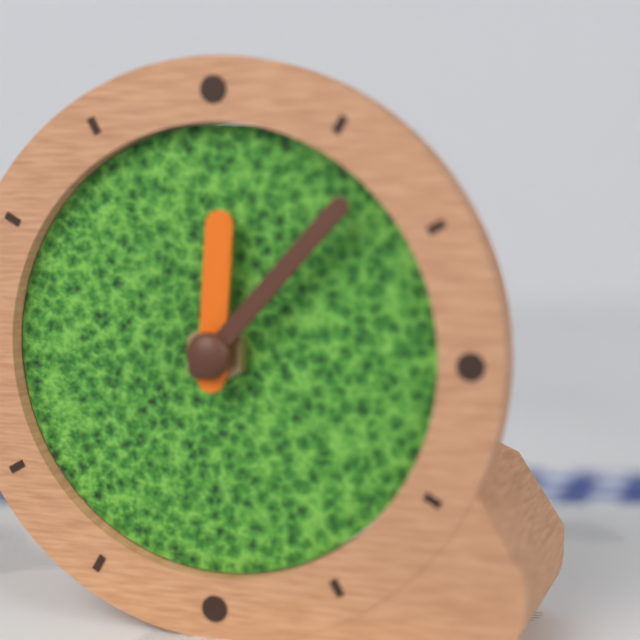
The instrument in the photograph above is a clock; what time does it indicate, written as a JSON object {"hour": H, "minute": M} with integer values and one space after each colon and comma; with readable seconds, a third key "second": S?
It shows {"hour": 12, "minute": 7}
